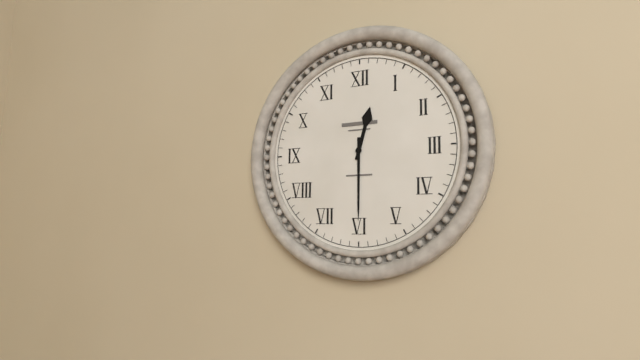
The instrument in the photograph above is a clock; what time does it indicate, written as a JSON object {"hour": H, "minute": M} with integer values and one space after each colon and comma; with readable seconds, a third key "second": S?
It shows {"hour": 12, "minute": 30}
